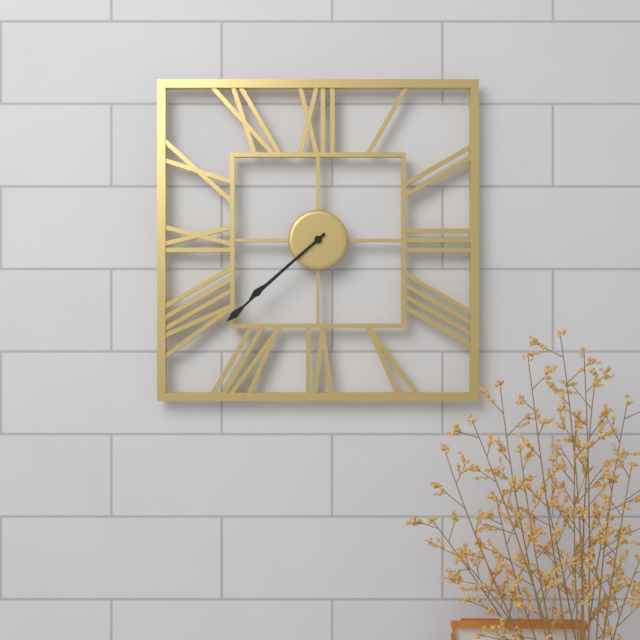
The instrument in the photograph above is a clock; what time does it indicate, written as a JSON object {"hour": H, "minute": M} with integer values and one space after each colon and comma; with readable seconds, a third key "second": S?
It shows {"hour": 7, "minute": 38}
